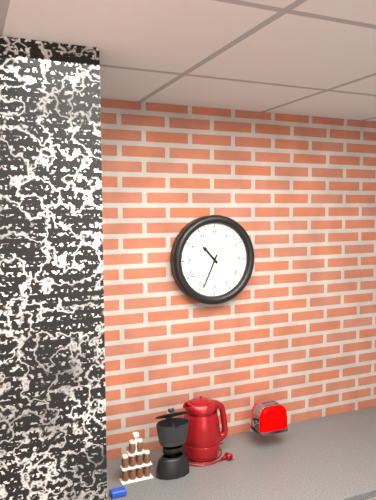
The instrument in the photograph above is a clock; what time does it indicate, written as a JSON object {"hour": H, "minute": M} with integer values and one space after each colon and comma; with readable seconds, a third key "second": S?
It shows {"hour": 10, "minute": 34}
